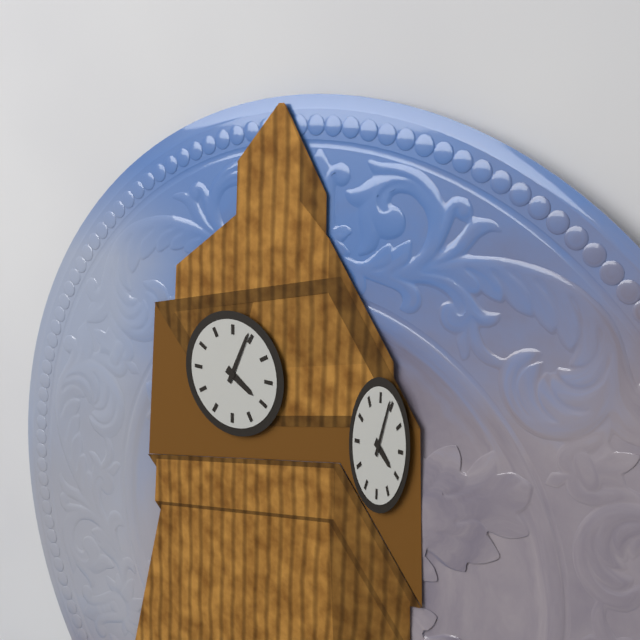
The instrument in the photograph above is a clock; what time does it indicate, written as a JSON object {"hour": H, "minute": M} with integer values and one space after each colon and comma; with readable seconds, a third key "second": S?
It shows {"hour": 4, "minute": 4}
